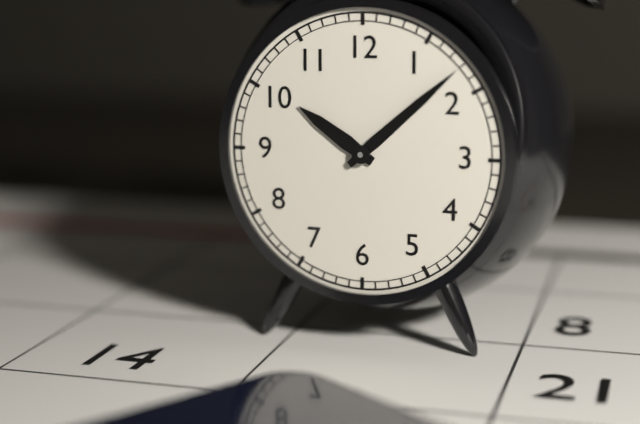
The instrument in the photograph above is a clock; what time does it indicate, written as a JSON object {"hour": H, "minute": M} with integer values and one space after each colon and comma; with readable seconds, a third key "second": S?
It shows {"hour": 10, "minute": 8}
